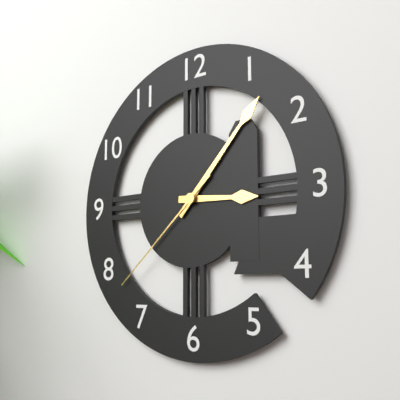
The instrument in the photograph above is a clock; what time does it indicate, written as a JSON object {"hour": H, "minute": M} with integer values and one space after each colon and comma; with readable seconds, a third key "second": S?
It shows {"hour": 3, "minute": 7, "second": 38}
